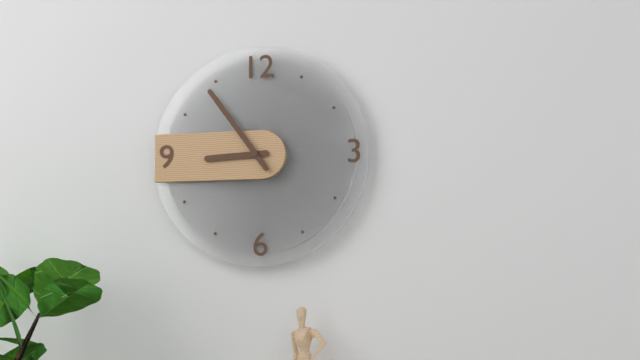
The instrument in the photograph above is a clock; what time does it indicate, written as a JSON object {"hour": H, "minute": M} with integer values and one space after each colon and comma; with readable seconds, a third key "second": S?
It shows {"hour": 8, "minute": 54}
